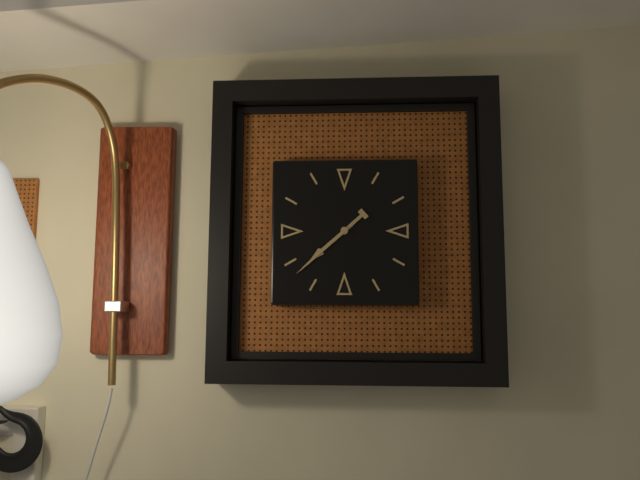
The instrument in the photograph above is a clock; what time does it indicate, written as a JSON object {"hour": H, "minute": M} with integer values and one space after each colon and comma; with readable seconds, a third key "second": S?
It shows {"hour": 7, "minute": 38}
